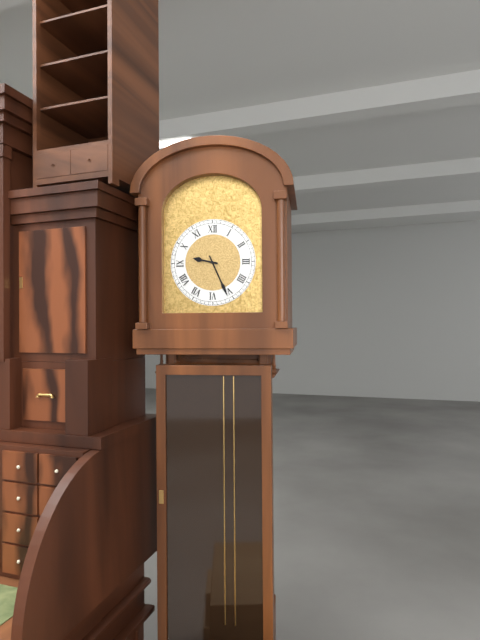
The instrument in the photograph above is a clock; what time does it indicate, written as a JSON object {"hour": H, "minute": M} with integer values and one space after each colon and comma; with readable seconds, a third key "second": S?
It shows {"hour": 9, "minute": 26}
